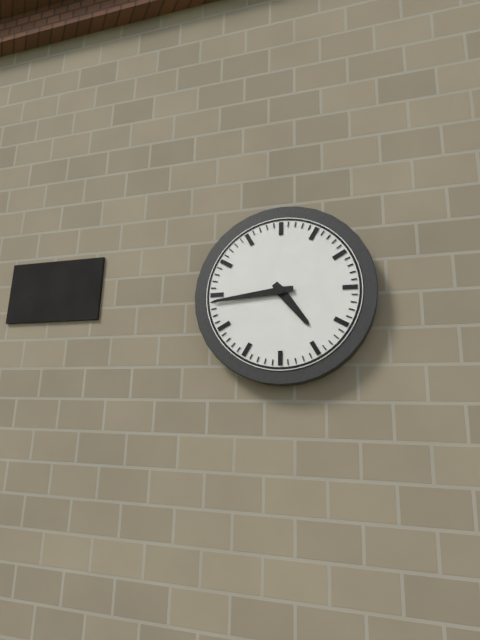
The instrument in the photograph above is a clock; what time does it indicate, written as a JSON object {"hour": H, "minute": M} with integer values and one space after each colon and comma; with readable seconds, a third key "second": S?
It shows {"hour": 4, "minute": 44}
